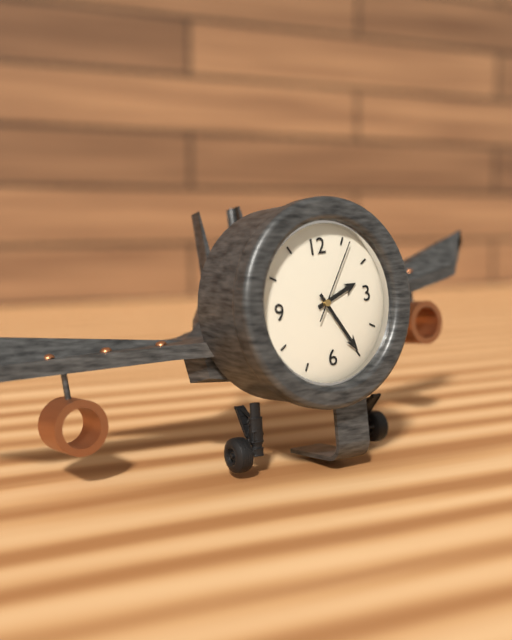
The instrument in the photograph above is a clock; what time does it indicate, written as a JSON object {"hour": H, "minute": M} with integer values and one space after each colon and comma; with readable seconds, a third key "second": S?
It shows {"hour": 2, "minute": 25, "second": 6}
